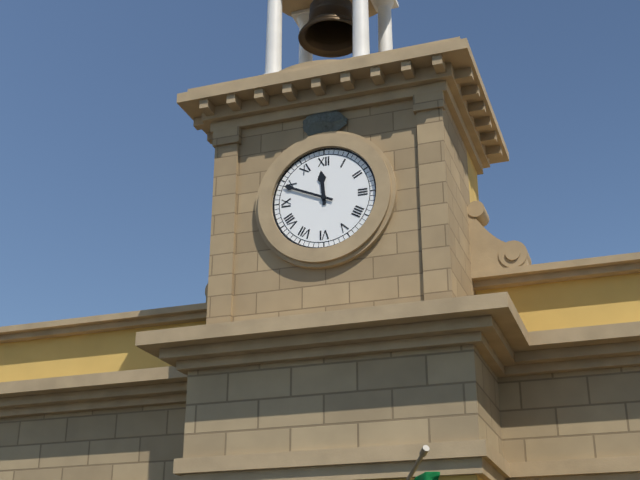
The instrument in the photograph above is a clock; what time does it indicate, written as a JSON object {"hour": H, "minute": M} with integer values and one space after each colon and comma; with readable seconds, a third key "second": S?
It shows {"hour": 11, "minute": 49}
